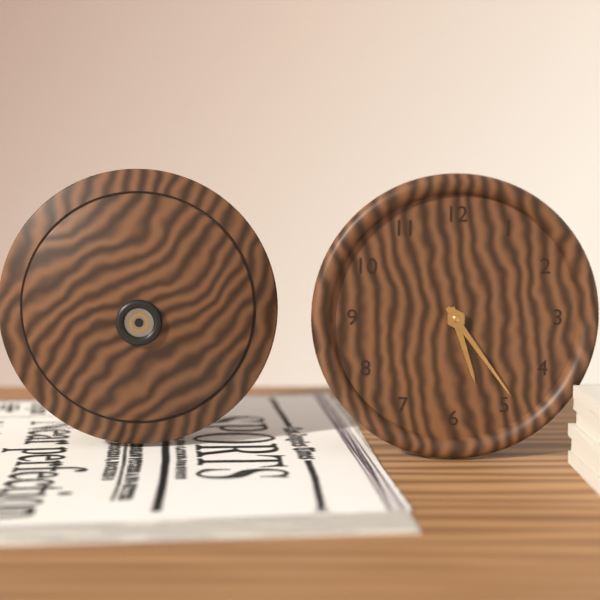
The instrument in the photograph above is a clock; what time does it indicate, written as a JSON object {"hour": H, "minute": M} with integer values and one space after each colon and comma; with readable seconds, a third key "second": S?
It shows {"hour": 5, "minute": 24}
